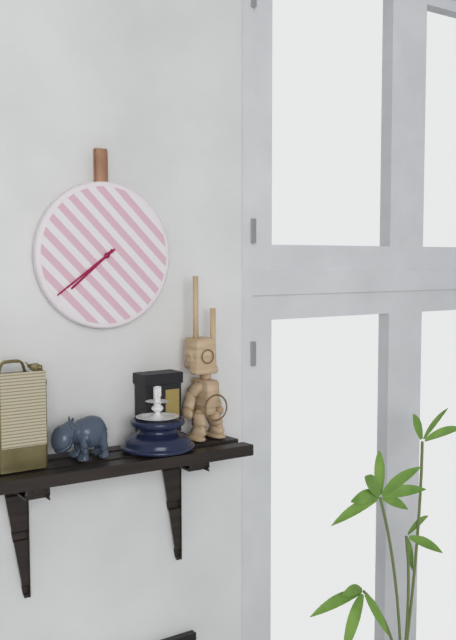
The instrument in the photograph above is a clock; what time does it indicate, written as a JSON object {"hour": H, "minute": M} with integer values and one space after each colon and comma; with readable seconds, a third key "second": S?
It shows {"hour": 7, "minute": 39}
